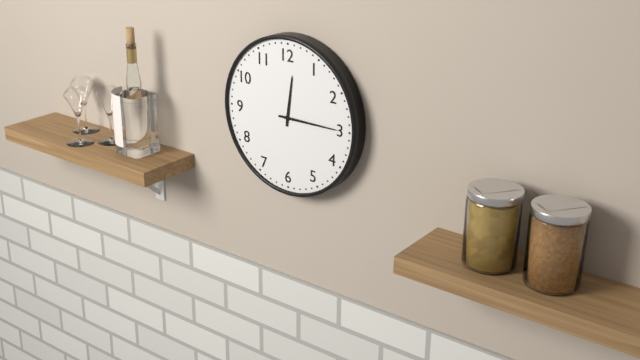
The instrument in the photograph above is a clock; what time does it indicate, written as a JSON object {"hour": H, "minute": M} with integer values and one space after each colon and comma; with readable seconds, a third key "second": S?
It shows {"hour": 12, "minute": 15}
